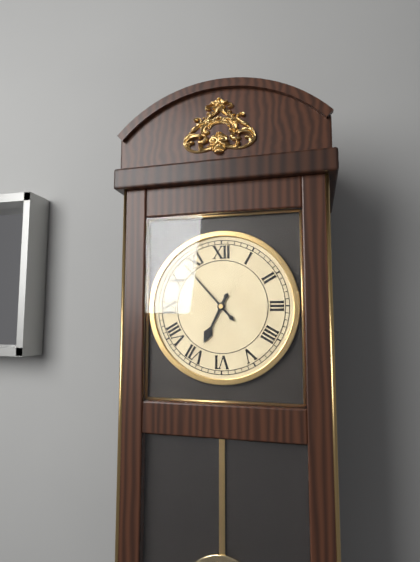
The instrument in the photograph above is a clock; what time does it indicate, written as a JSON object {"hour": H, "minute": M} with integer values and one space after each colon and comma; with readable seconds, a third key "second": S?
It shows {"hour": 6, "minute": 53}
